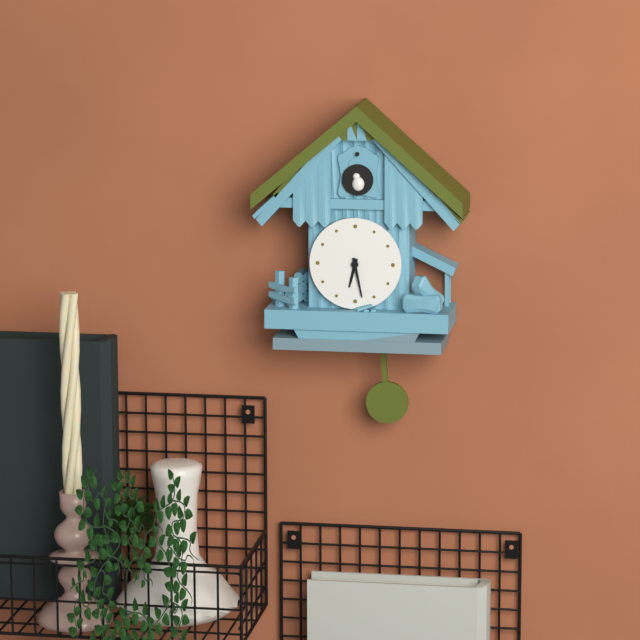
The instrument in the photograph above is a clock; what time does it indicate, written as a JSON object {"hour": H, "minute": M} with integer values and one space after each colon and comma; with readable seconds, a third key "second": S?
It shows {"hour": 6, "minute": 28}
